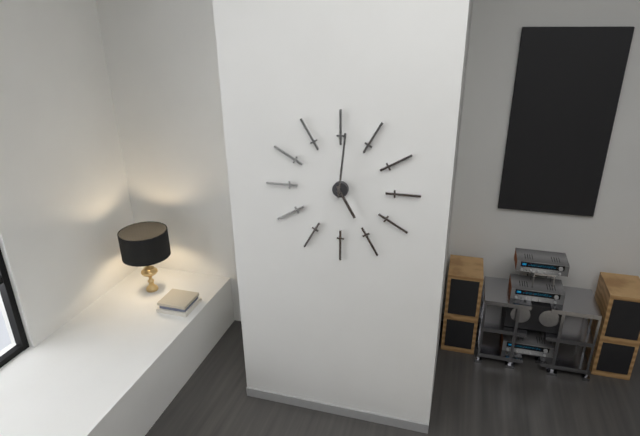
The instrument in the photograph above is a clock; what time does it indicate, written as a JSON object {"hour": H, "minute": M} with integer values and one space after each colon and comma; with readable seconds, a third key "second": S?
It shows {"hour": 5, "minute": 1}
